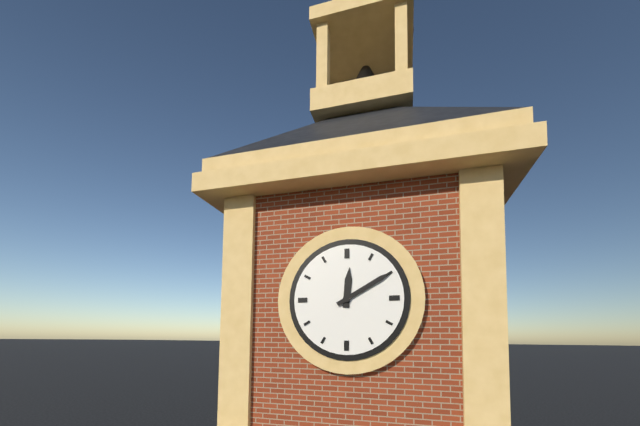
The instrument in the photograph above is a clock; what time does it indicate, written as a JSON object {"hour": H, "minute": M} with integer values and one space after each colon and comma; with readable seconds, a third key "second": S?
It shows {"hour": 12, "minute": 10}
